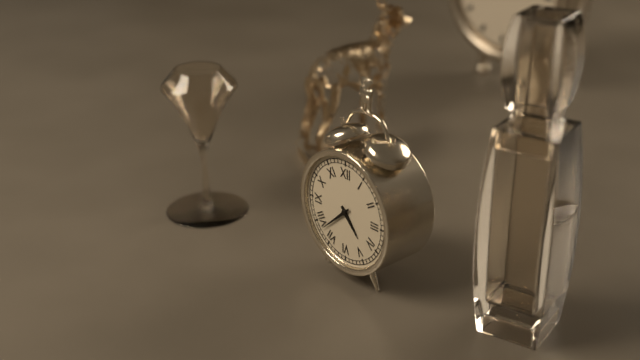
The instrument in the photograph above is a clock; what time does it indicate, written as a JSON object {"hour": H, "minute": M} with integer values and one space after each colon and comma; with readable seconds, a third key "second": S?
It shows {"hour": 4, "minute": 38}
